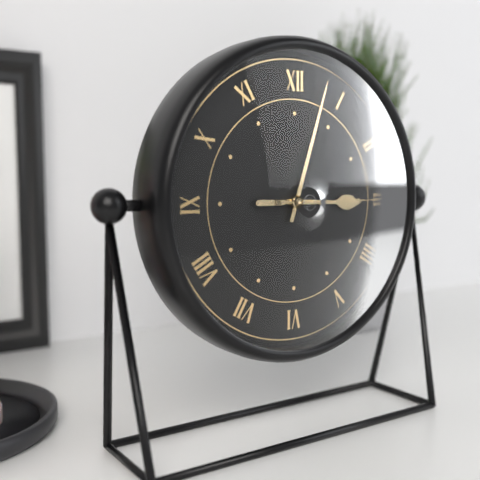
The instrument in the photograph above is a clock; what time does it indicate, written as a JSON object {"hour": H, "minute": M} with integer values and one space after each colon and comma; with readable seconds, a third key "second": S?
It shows {"hour": 3, "minute": 3, "second": 15}
